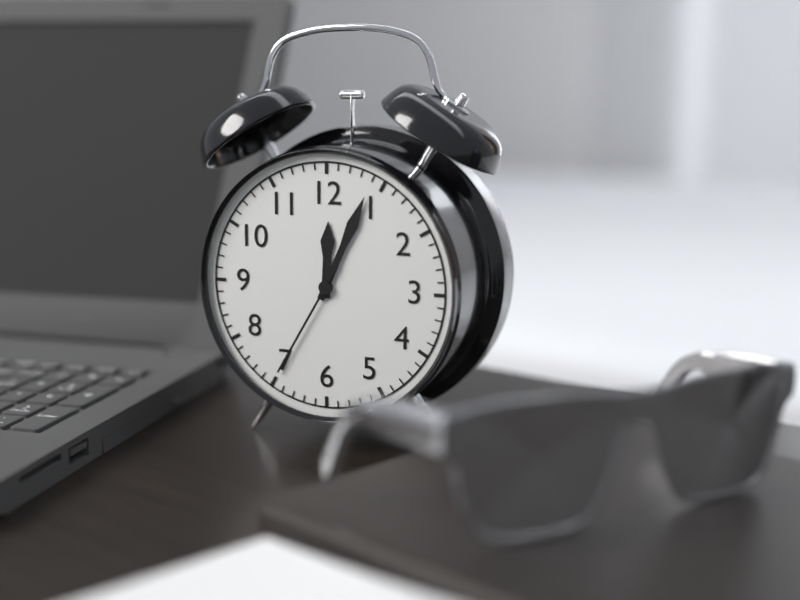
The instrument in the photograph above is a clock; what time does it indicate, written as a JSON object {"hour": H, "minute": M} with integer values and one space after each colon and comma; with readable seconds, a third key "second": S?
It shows {"hour": 12, "minute": 4, "second": 35}
